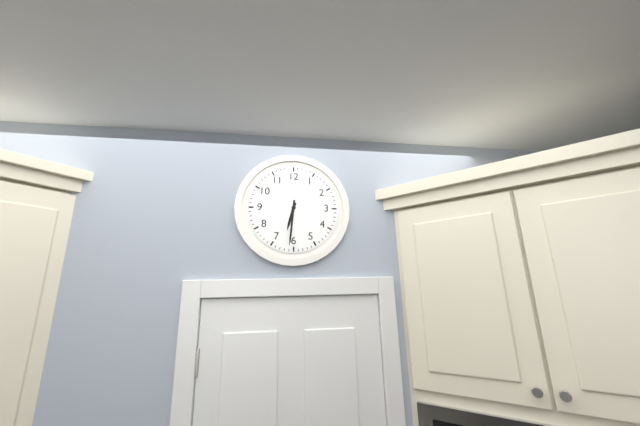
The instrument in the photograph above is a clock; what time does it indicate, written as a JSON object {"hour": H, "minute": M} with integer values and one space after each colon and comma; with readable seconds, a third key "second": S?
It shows {"hour": 6, "minute": 31}
